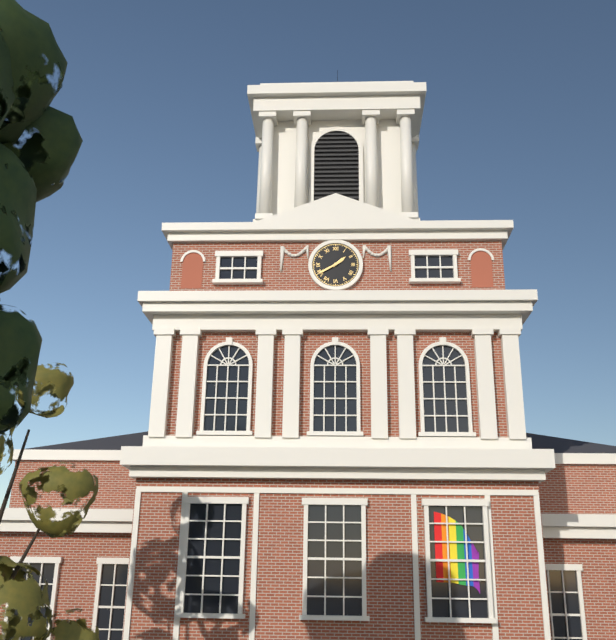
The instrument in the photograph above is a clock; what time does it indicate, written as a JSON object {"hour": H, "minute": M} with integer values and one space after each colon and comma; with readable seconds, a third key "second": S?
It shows {"hour": 1, "minute": 40}
